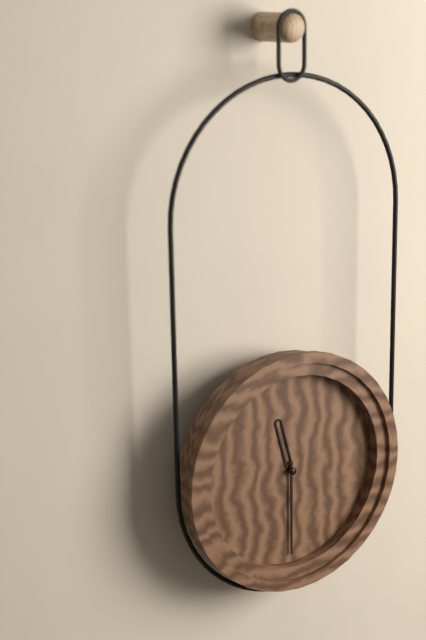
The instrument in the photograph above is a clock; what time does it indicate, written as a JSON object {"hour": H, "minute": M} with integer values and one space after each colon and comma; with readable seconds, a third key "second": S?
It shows {"hour": 11, "minute": 30}
